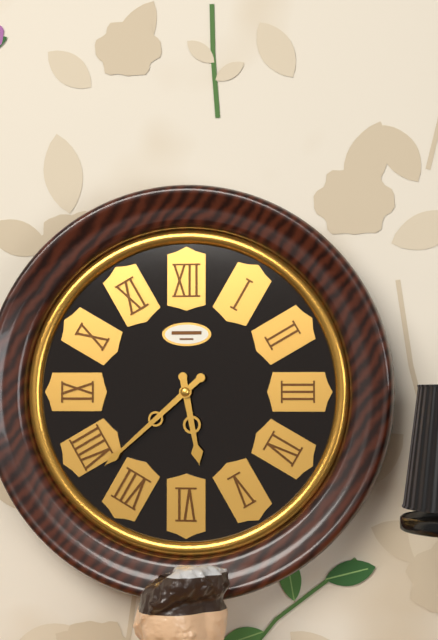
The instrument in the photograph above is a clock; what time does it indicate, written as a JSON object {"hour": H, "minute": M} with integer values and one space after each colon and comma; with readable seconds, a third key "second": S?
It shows {"hour": 5, "minute": 38}
